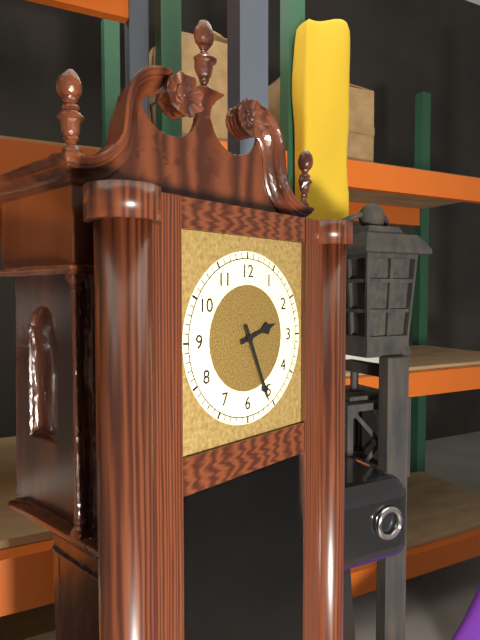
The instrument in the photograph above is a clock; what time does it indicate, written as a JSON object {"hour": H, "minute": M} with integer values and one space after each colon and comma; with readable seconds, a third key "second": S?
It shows {"hour": 2, "minute": 26}
